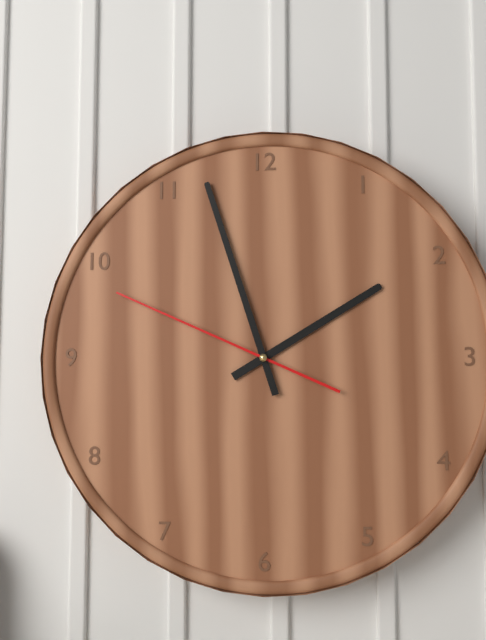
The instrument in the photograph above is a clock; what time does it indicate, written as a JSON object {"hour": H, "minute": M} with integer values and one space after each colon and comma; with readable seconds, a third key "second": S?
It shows {"hour": 1, "minute": 57, "second": 49}
